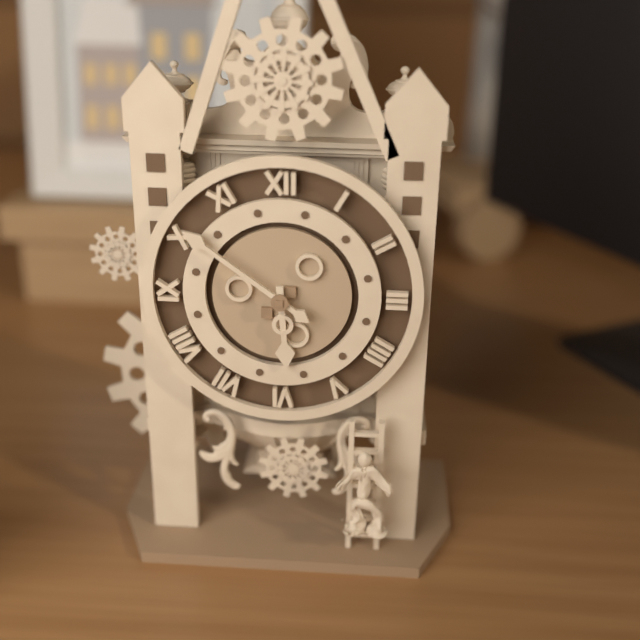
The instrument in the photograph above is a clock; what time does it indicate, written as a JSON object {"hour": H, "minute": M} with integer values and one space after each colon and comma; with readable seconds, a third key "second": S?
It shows {"hour": 5, "minute": 51}
